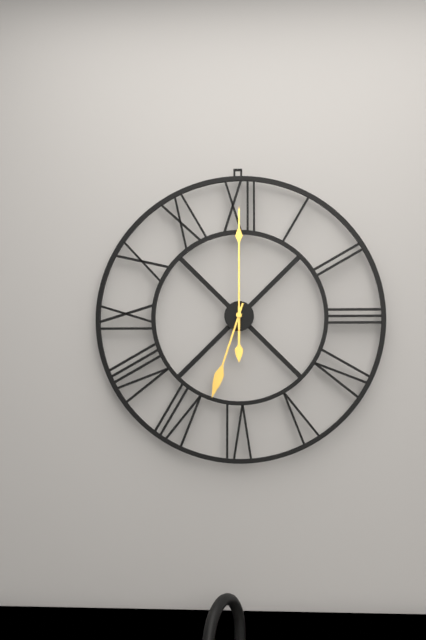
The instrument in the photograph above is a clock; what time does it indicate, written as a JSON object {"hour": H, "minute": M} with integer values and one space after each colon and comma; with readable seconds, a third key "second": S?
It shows {"hour": 6, "minute": 0, "second": 33}
